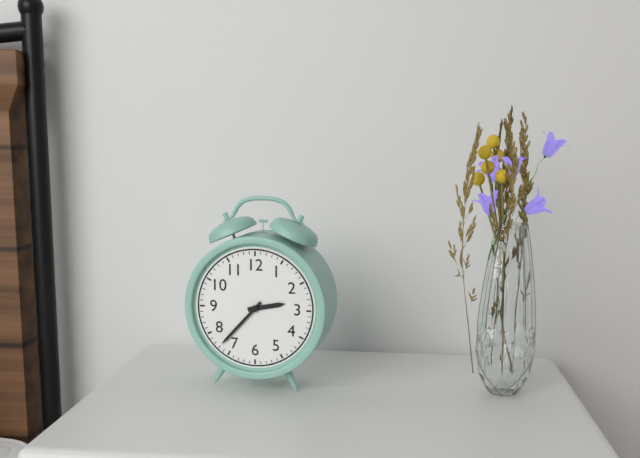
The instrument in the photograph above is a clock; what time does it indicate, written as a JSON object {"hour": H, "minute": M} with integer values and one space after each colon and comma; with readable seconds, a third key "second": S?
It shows {"hour": 2, "minute": 37}
